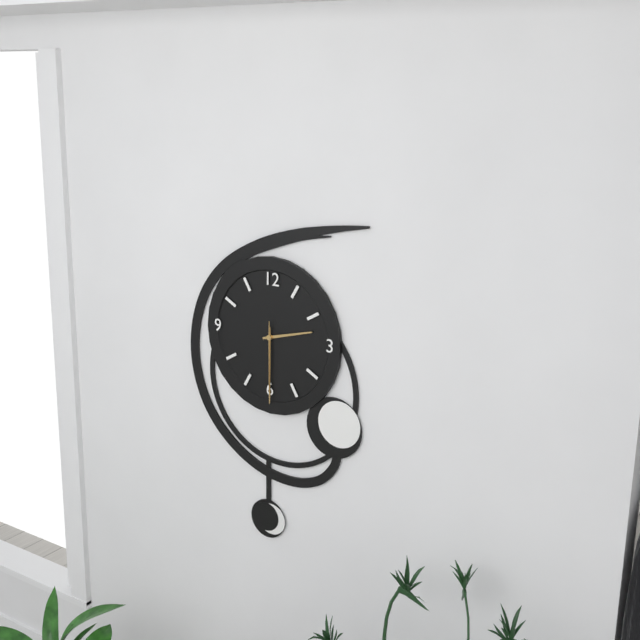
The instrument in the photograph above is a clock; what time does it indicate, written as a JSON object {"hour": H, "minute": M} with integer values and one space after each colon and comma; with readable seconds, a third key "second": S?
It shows {"hour": 2, "minute": 30, "second": 30}
